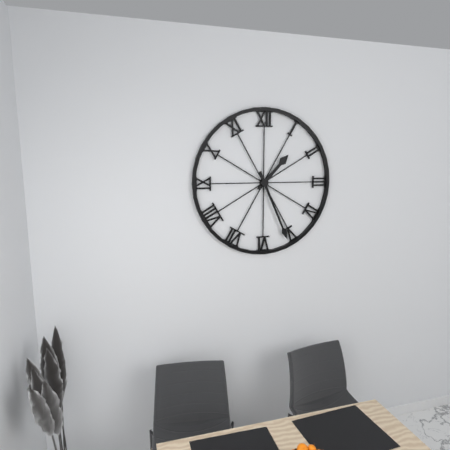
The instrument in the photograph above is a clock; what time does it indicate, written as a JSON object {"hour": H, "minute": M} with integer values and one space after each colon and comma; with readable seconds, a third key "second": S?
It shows {"hour": 1, "minute": 26}
